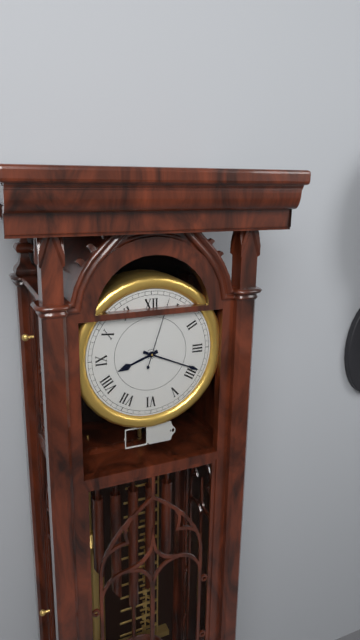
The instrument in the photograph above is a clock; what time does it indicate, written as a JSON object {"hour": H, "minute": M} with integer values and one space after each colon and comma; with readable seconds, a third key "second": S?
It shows {"hour": 8, "minute": 19, "second": 3}
